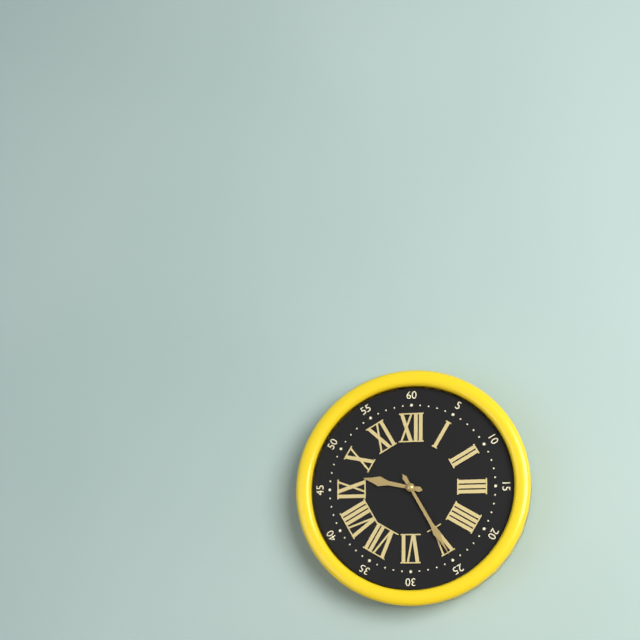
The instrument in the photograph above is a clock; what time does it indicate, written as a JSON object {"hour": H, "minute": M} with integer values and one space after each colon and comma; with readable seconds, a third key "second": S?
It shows {"hour": 9, "minute": 25}
